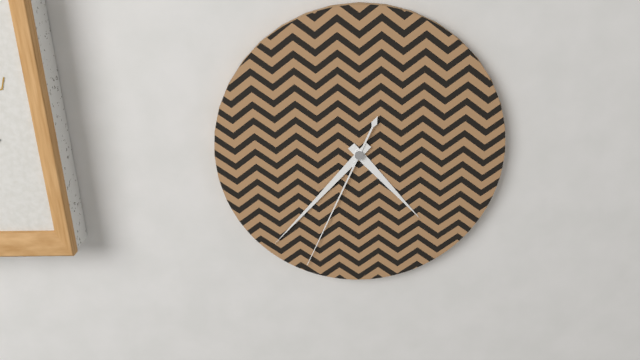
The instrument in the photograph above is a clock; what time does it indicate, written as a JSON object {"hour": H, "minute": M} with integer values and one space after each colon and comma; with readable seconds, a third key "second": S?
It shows {"hour": 4, "minute": 37, "second": 34}
